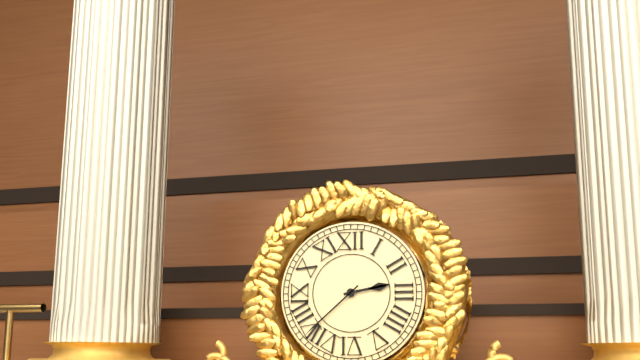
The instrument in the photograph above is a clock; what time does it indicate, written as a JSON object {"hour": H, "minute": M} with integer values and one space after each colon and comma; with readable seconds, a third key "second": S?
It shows {"hour": 2, "minute": 38}
